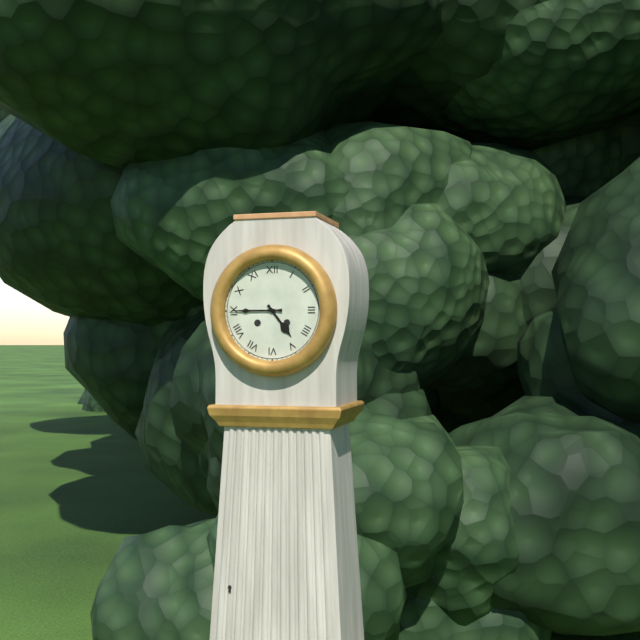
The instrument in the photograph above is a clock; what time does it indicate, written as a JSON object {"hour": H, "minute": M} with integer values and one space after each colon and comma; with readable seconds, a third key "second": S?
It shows {"hour": 4, "minute": 45}
